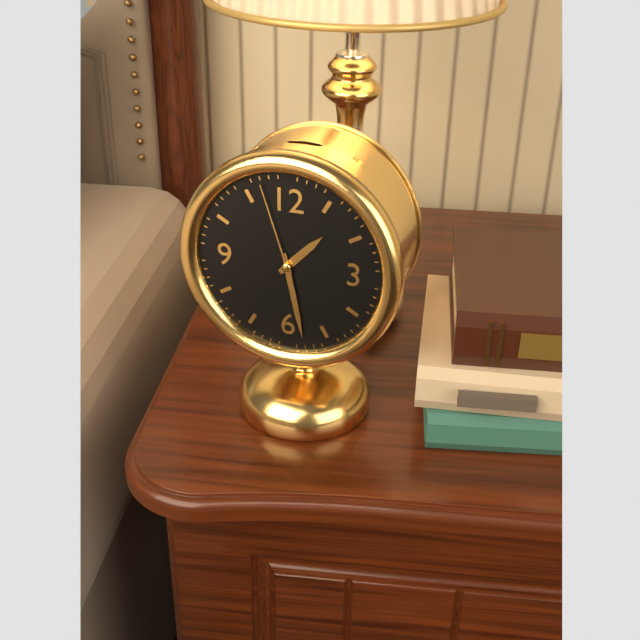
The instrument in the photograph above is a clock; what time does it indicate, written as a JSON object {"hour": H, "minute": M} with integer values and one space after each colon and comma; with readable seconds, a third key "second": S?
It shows {"hour": 1, "minute": 28, "second": 57}
